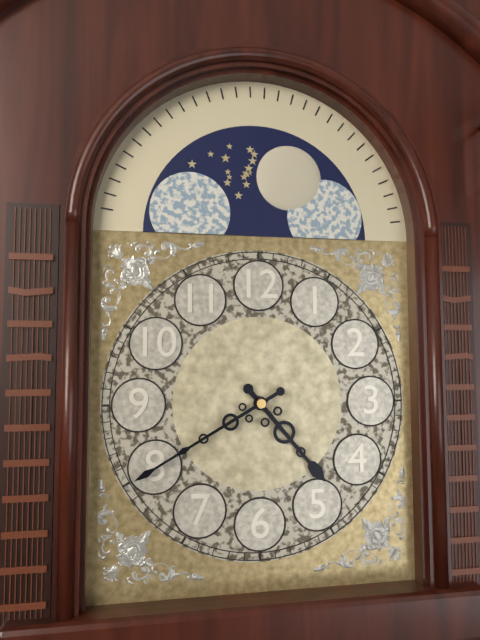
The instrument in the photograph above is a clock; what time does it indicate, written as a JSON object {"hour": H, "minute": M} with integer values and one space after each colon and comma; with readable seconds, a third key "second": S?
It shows {"hour": 4, "minute": 40}
